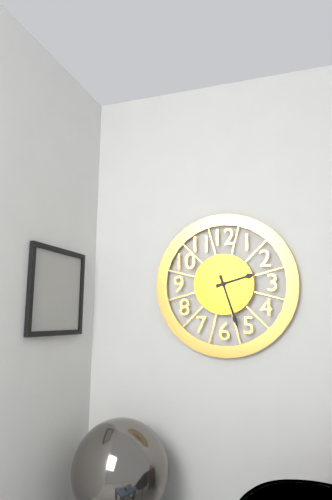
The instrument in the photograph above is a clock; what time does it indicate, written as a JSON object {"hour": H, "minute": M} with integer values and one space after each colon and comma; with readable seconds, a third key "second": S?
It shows {"hour": 2, "minute": 27}
